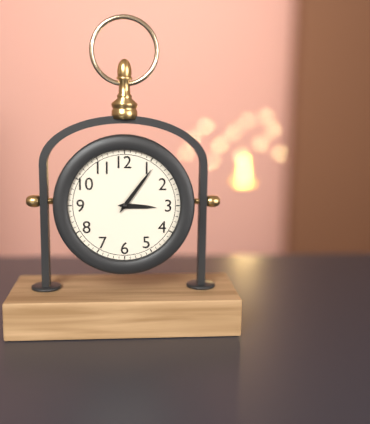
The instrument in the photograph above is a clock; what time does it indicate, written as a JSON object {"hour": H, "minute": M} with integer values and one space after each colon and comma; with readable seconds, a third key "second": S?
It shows {"hour": 3, "minute": 6}
